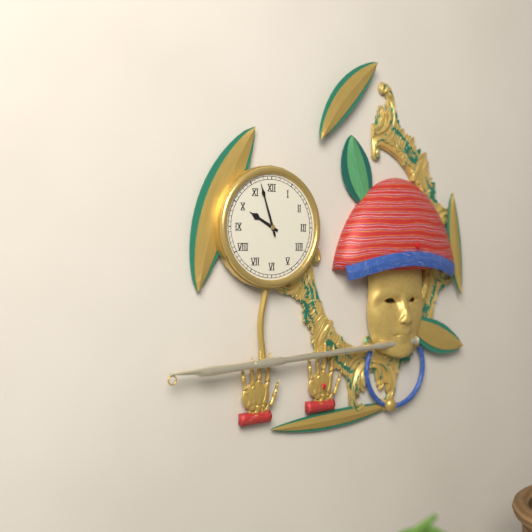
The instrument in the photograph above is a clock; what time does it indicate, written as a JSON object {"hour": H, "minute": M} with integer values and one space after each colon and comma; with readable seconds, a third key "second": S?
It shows {"hour": 9, "minute": 57}
